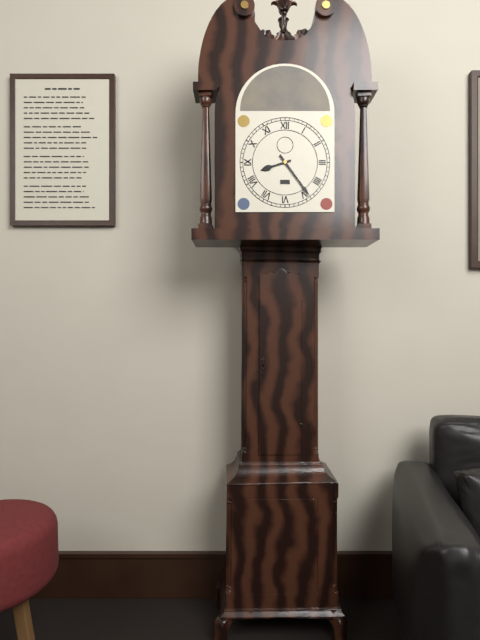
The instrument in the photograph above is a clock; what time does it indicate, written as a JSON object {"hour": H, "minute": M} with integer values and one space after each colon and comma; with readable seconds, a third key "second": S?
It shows {"hour": 8, "minute": 24}
